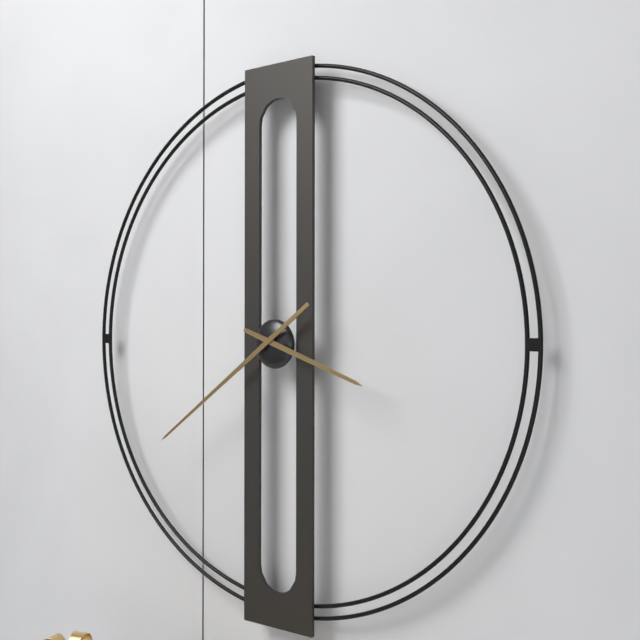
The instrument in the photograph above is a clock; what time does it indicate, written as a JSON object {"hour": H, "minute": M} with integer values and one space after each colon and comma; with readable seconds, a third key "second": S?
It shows {"hour": 3, "minute": 39}
